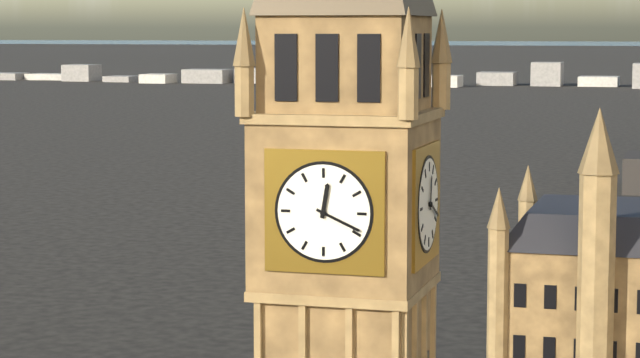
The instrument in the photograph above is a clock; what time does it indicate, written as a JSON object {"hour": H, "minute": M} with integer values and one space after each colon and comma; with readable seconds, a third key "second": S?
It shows {"hour": 12, "minute": 19}
